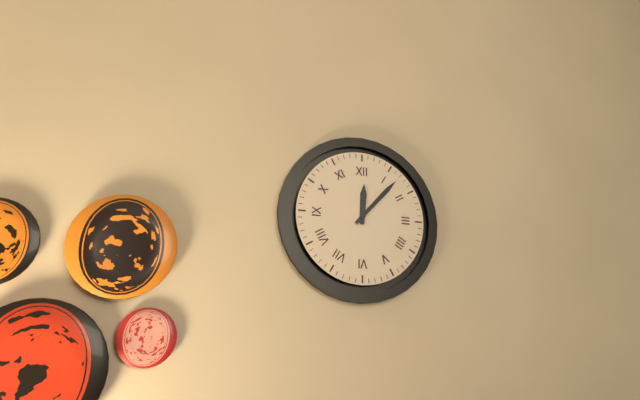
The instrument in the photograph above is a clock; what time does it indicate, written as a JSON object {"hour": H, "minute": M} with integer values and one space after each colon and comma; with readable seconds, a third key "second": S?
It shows {"hour": 12, "minute": 7}
